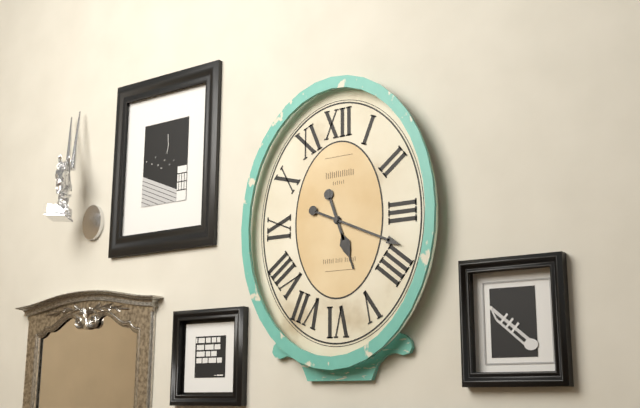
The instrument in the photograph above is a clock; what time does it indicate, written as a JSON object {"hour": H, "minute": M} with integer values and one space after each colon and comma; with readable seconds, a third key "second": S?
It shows {"hour": 5, "minute": 19}
